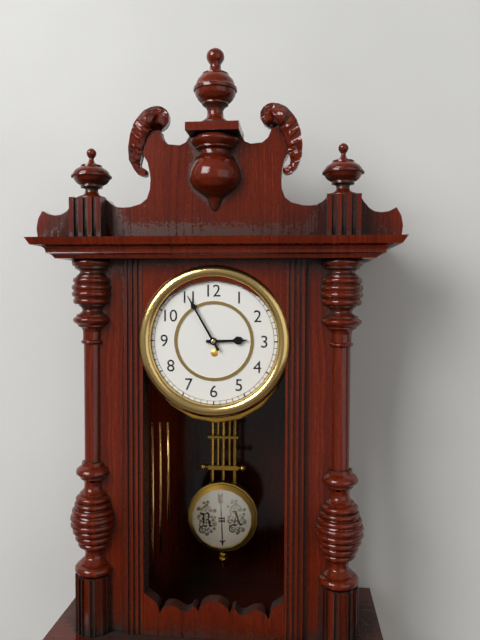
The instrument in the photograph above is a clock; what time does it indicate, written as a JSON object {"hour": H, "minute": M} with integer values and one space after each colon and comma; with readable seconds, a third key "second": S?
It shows {"hour": 2, "minute": 55}
